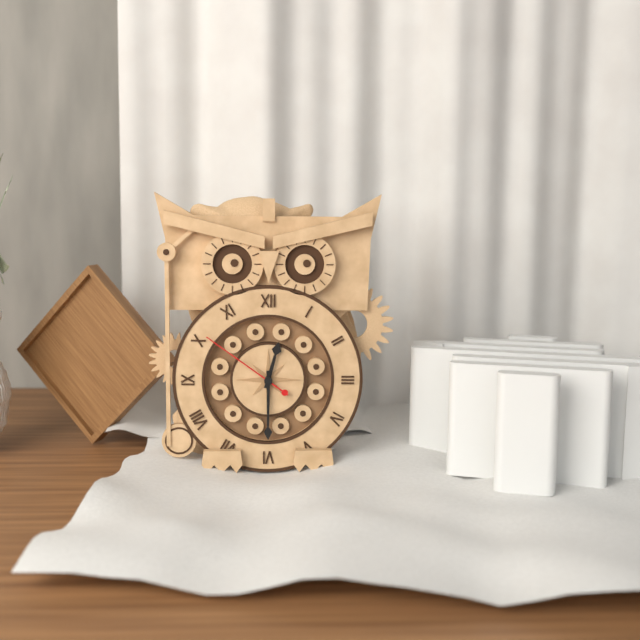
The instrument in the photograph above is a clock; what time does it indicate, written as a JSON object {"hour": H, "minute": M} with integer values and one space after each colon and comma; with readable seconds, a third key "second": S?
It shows {"hour": 12, "minute": 30, "second": 51}
